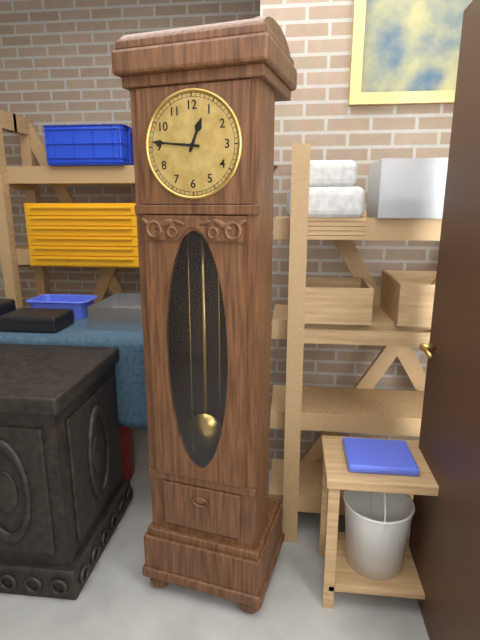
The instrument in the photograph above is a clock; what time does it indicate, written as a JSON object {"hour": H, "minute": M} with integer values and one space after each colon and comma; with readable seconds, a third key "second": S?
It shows {"hour": 12, "minute": 46}
